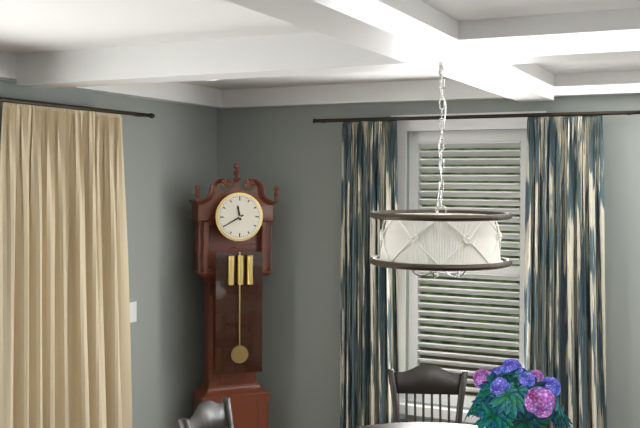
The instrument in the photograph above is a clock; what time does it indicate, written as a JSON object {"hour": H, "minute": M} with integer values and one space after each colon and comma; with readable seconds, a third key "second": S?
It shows {"hour": 11, "minute": 40}
